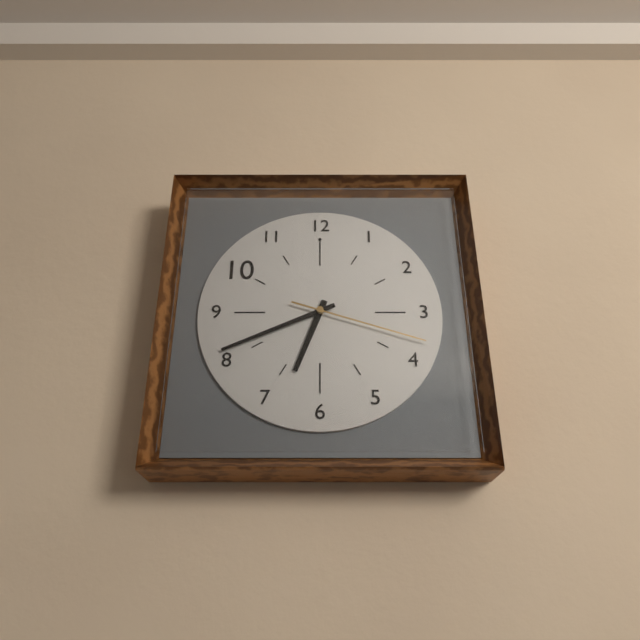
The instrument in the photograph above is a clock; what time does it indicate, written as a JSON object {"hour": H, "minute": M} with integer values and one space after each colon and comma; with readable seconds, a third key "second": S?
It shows {"hour": 6, "minute": 41, "second": 18}
